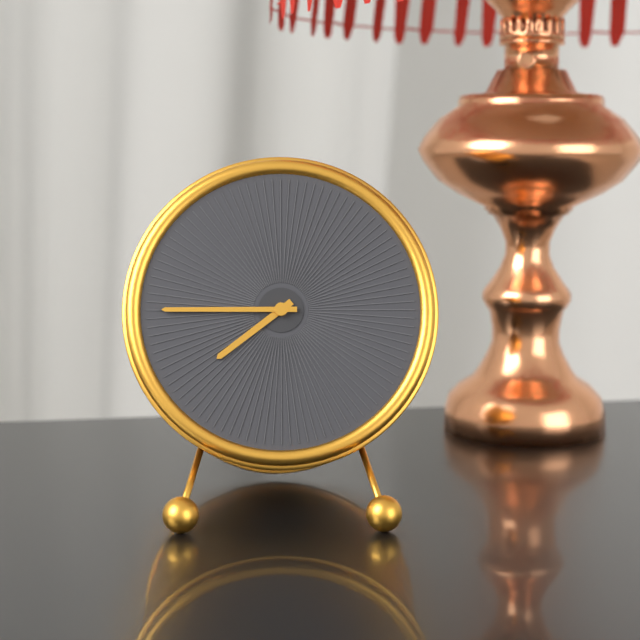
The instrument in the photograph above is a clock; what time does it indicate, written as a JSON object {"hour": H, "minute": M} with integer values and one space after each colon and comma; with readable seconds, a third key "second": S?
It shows {"hour": 7, "minute": 45}
